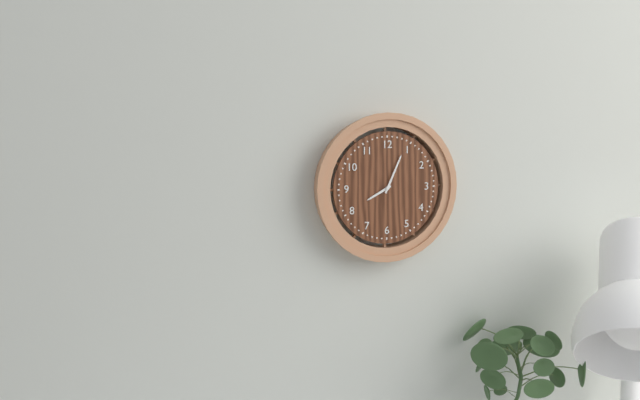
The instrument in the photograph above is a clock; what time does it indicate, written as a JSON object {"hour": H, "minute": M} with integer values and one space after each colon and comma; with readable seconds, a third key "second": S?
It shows {"hour": 8, "minute": 4}
